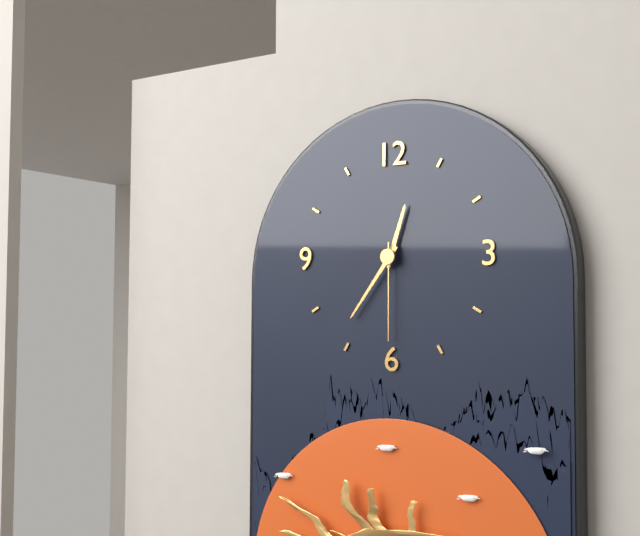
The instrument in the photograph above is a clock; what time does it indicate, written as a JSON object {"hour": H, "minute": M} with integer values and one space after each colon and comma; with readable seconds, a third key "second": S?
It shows {"hour": 12, "minute": 36, "second": 30}
